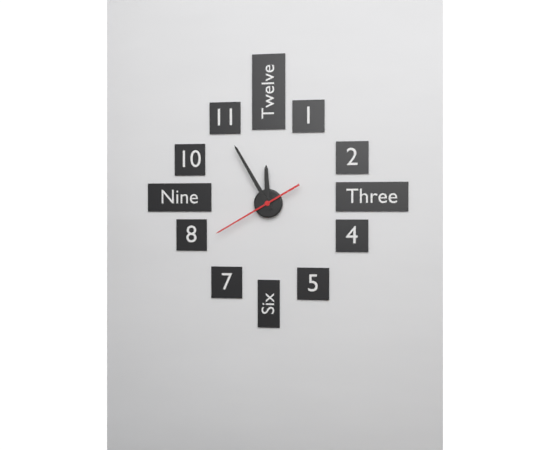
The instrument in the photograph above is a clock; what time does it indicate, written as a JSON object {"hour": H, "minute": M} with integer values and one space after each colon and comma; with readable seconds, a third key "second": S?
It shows {"hour": 11, "minute": 55, "second": 40}
